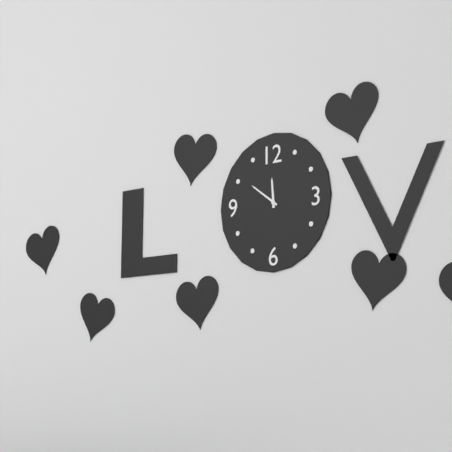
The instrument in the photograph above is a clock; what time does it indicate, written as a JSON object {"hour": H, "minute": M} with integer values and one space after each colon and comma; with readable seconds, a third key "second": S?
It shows {"hour": 11, "minute": 51}
